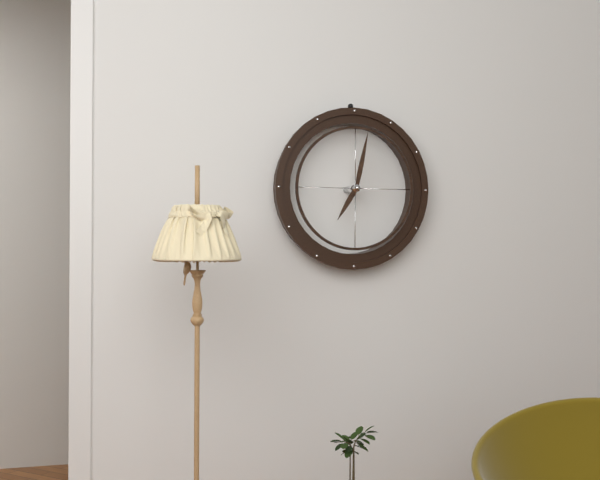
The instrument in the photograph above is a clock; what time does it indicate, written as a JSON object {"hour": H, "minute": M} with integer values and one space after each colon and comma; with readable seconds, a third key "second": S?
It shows {"hour": 7, "minute": 2}
